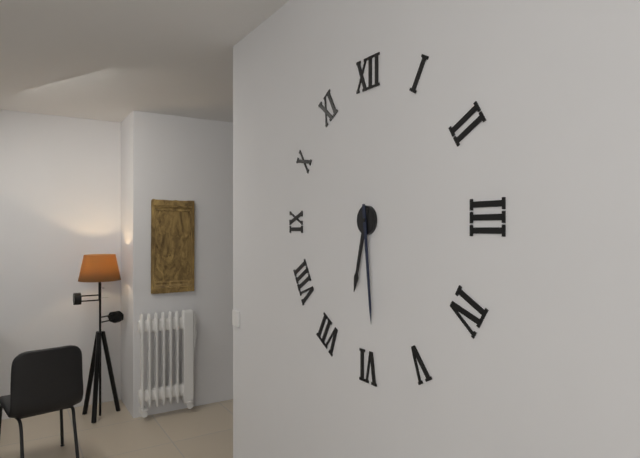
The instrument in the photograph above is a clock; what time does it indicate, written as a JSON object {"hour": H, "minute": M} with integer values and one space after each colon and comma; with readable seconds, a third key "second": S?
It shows {"hour": 6, "minute": 29}
